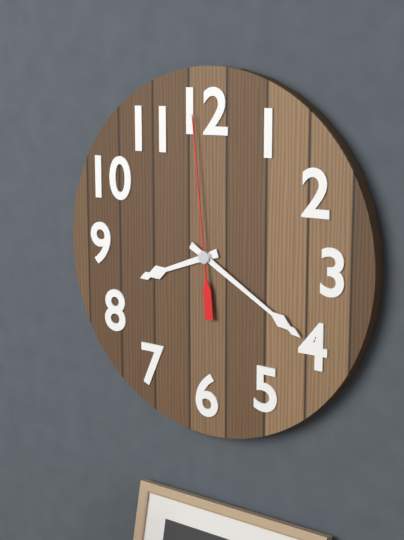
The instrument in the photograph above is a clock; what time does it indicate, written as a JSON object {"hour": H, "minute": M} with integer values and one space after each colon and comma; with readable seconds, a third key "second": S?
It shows {"hour": 8, "minute": 20, "second": 59}
